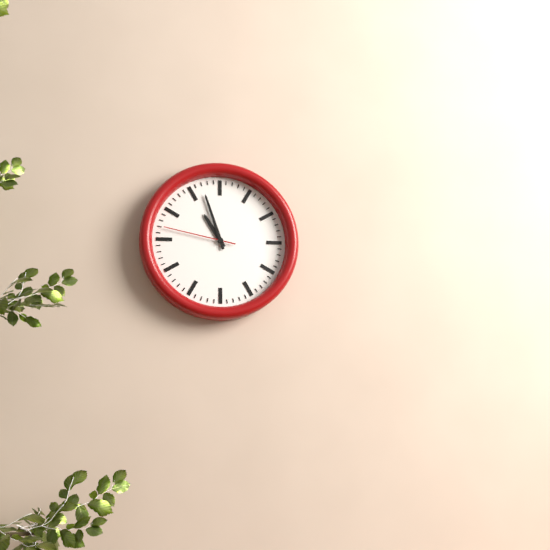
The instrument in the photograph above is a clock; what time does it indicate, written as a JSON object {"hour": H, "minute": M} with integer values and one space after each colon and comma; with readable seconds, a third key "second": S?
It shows {"hour": 10, "minute": 57, "second": 47}
